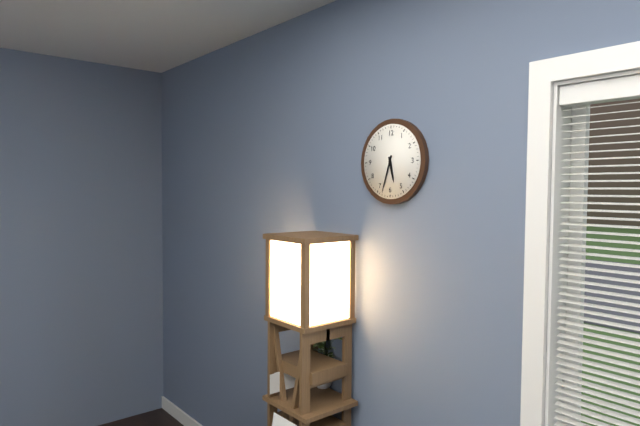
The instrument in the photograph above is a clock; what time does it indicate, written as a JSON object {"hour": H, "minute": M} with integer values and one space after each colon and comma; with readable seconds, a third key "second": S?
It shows {"hour": 5, "minute": 33}
